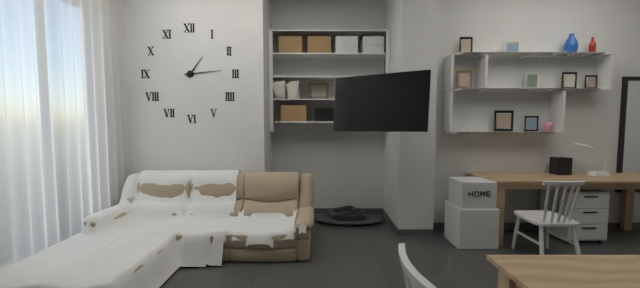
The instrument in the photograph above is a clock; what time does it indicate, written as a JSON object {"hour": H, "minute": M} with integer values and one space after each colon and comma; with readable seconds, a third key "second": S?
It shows {"hour": 1, "minute": 14}
